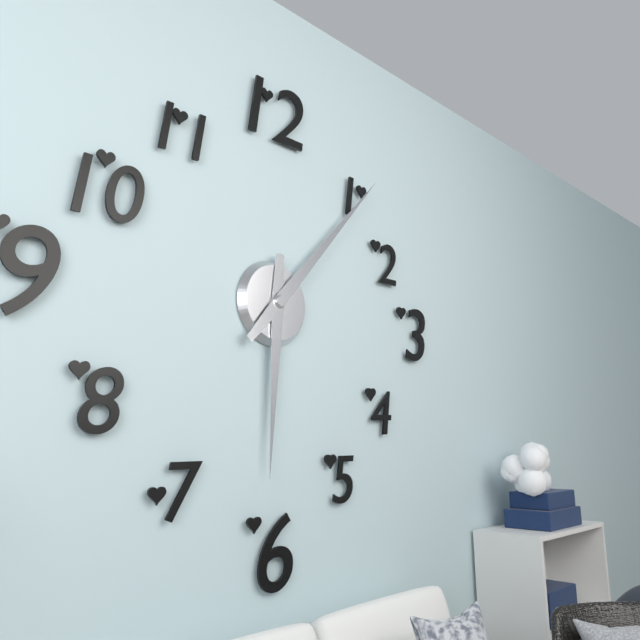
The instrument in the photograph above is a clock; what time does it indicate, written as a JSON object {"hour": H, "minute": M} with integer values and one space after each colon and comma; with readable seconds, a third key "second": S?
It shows {"hour": 6, "minute": 7}
